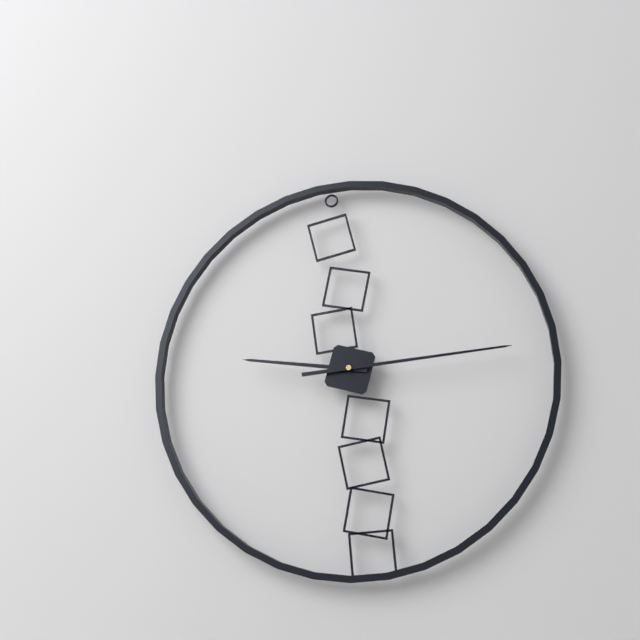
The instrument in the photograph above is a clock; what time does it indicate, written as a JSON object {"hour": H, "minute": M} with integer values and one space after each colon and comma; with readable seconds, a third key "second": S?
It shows {"hour": 9, "minute": 14}
